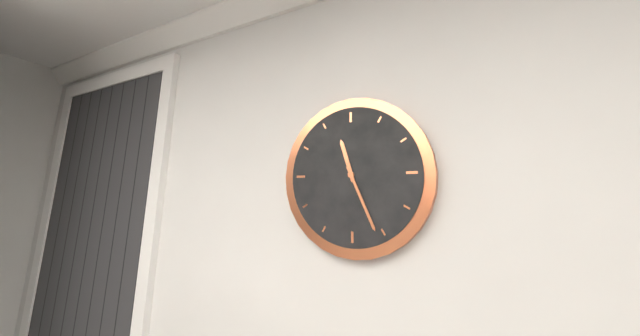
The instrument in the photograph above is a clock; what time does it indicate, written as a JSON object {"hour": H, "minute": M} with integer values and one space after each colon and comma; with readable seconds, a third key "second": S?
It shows {"hour": 11, "minute": 26}
